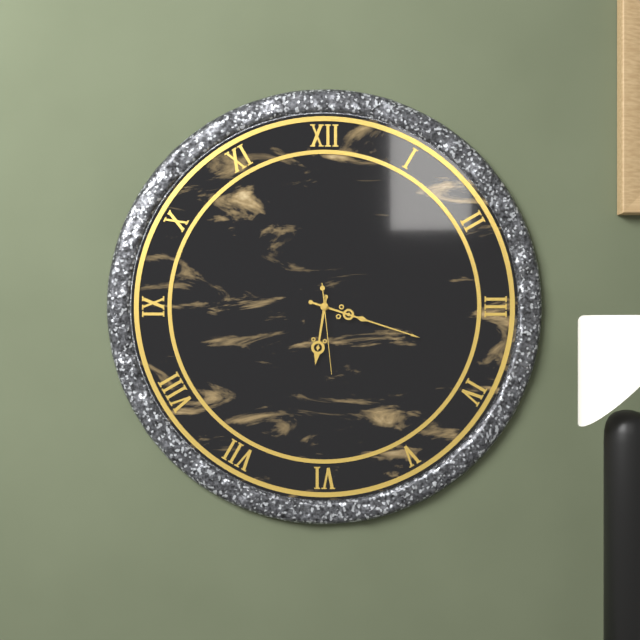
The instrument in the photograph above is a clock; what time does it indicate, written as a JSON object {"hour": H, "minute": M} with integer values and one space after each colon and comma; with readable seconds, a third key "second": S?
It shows {"hour": 6, "minute": 18, "second": 29}
